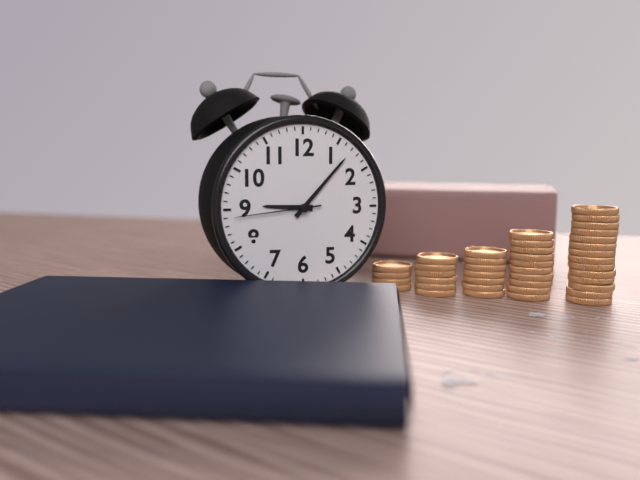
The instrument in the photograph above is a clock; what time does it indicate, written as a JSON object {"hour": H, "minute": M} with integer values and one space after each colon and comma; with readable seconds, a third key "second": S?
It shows {"hour": 9, "minute": 7, "second": 44}
